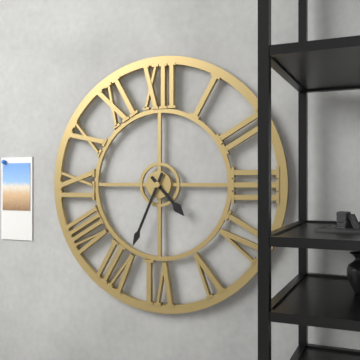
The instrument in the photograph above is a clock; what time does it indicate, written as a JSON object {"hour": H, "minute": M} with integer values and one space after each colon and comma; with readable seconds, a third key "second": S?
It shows {"hour": 4, "minute": 34}
